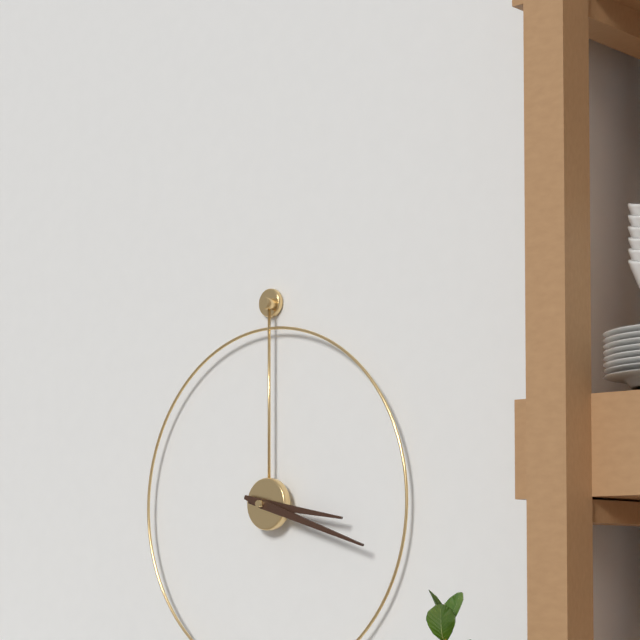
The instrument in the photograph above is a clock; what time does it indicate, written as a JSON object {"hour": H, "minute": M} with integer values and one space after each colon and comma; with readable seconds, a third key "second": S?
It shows {"hour": 3, "minute": 18}
